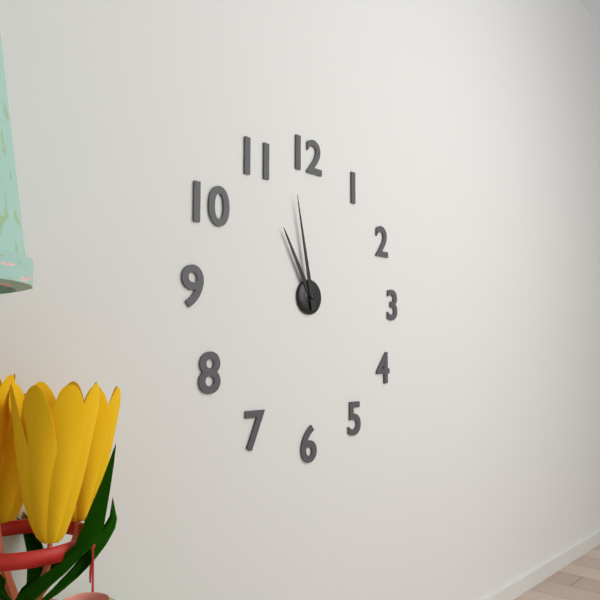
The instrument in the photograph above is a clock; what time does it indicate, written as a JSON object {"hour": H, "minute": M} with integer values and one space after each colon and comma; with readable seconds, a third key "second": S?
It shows {"hour": 10, "minute": 58}
